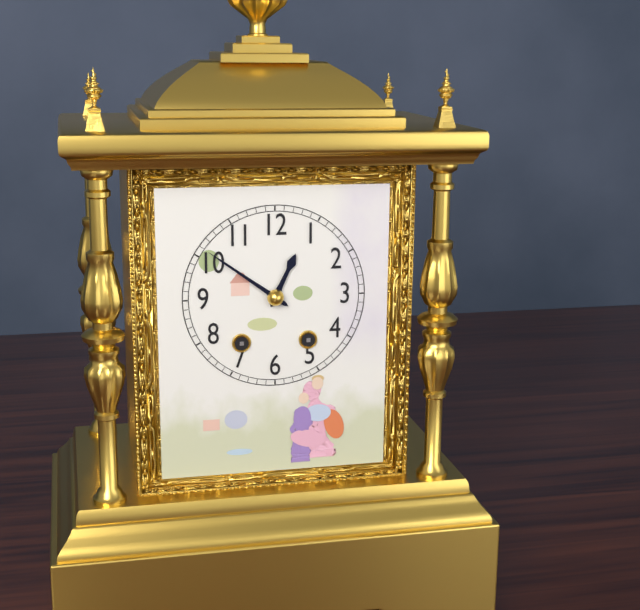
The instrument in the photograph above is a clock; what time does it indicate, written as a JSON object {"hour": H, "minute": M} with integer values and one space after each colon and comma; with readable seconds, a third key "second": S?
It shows {"hour": 12, "minute": 51}
